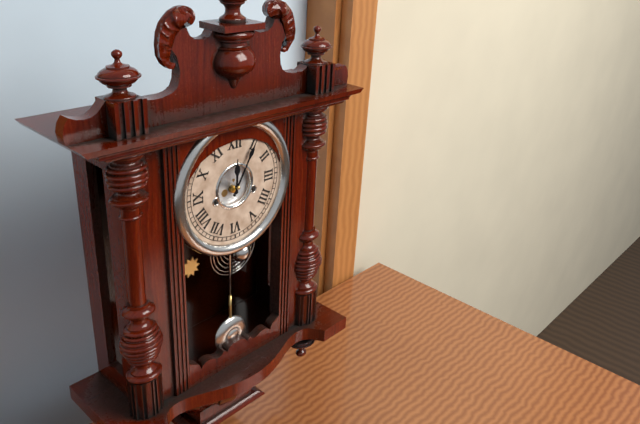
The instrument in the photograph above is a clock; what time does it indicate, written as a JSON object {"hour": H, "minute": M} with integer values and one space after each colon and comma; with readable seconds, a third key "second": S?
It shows {"hour": 12, "minute": 5}
